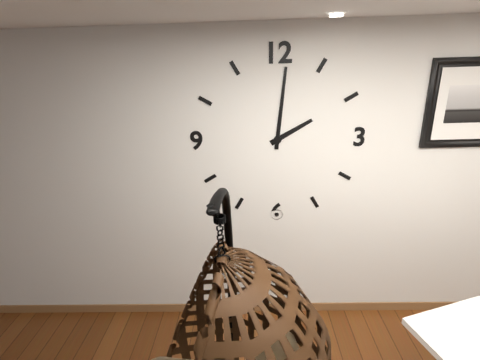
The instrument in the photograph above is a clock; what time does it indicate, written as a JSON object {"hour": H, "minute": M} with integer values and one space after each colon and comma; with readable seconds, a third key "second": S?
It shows {"hour": 2, "minute": 1}
